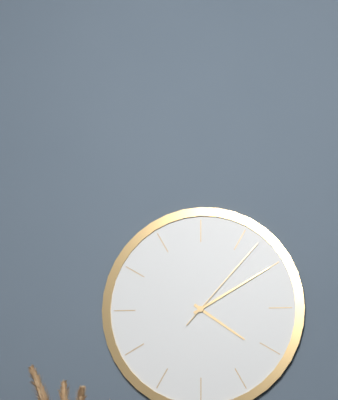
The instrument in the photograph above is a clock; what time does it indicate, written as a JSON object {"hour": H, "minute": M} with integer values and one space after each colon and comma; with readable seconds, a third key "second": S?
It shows {"hour": 4, "minute": 10, "second": 7}
